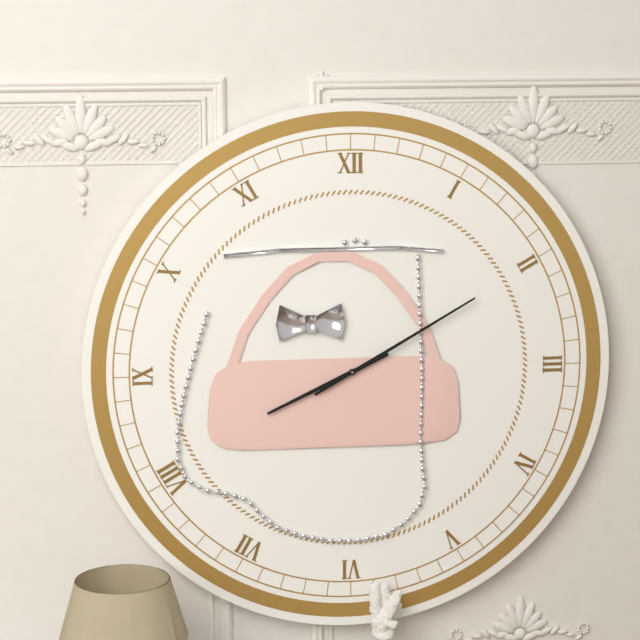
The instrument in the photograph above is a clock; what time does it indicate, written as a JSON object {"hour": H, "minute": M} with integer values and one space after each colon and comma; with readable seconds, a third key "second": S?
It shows {"hour": 8, "minute": 10}
